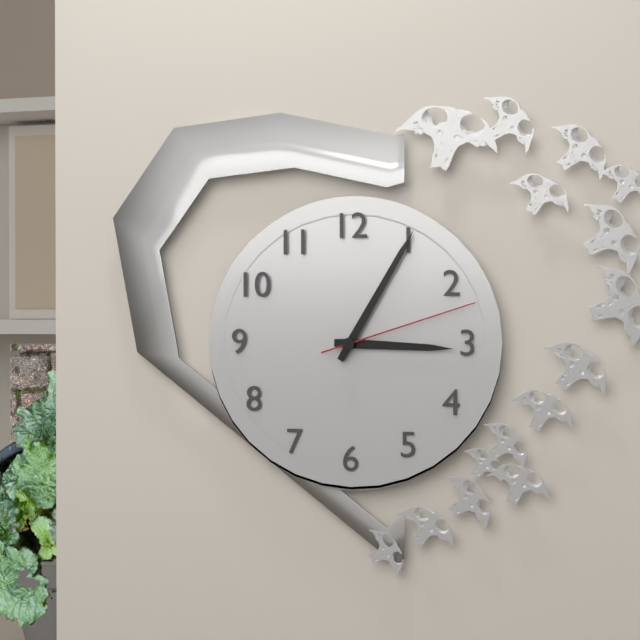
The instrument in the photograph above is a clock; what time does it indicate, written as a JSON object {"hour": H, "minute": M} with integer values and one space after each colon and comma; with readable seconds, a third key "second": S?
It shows {"hour": 3, "minute": 5, "second": 12}
